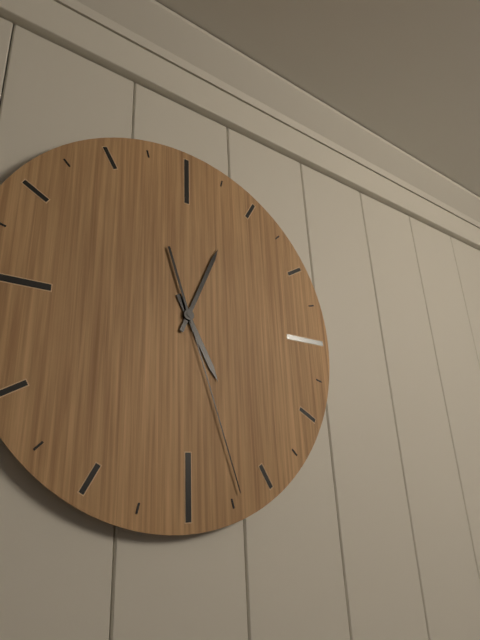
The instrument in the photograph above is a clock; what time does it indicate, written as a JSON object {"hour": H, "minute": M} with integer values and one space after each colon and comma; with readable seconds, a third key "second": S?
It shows {"hour": 5, "minute": 4, "second": 27}
